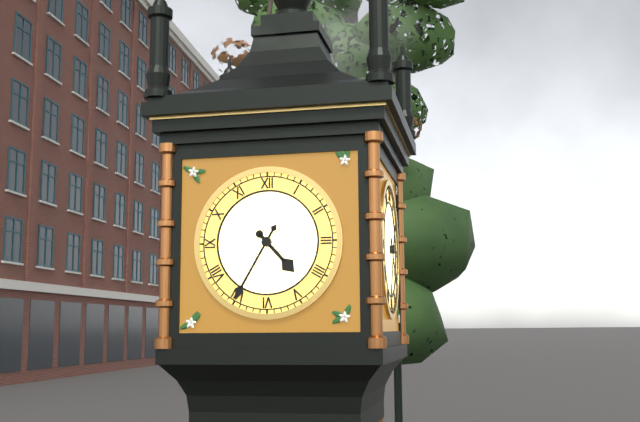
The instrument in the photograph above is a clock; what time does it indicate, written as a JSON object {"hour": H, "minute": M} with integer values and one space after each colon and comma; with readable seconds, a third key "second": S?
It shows {"hour": 4, "minute": 35}
